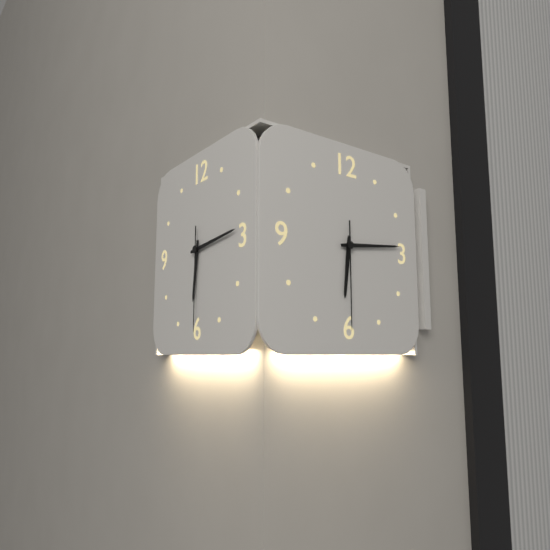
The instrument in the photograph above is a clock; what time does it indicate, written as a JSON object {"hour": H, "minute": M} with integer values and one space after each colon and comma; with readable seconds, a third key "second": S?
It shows {"hour": 6, "minute": 14, "second": 30}
